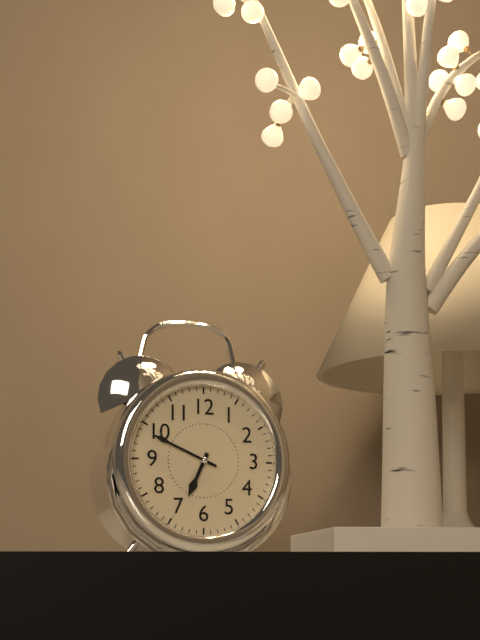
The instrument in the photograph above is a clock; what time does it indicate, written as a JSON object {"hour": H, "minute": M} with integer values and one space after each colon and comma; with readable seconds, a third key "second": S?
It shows {"hour": 6, "minute": 49}
